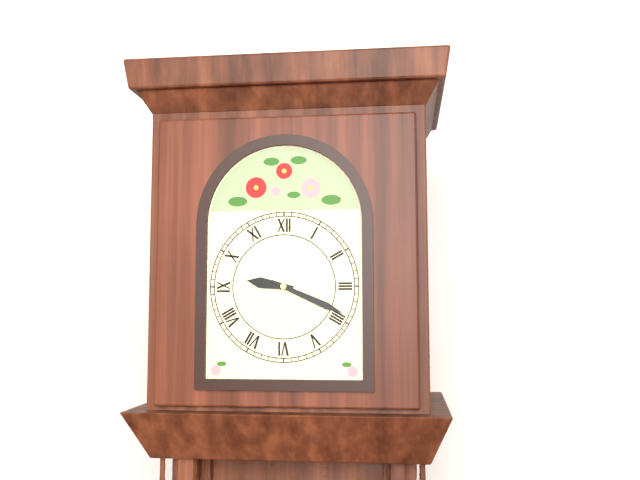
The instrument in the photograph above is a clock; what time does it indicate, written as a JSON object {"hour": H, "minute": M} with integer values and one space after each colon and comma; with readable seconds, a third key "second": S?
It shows {"hour": 9, "minute": 19}
